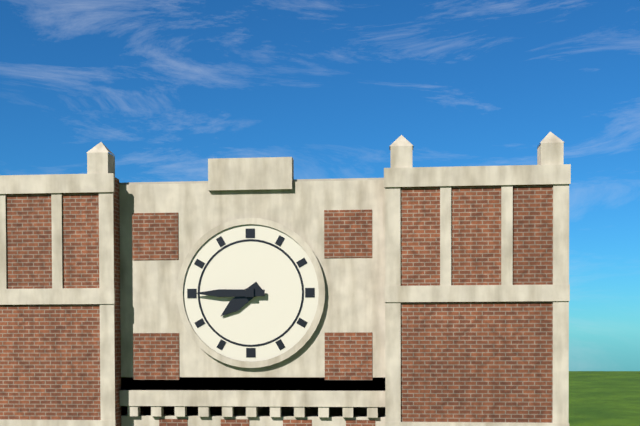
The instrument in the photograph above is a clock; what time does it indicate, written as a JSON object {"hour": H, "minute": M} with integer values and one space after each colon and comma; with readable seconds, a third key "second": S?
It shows {"hour": 7, "minute": 45}
